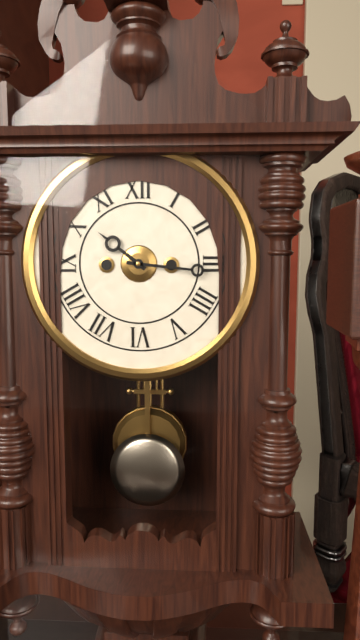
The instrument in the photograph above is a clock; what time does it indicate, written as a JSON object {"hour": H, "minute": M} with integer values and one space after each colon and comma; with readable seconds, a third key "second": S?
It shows {"hour": 10, "minute": 16}
